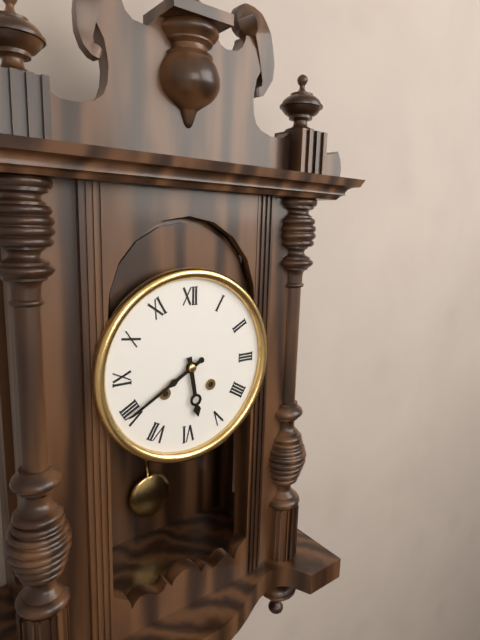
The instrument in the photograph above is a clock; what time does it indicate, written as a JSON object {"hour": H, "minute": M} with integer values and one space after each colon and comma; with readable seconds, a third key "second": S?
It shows {"hour": 5, "minute": 40}
